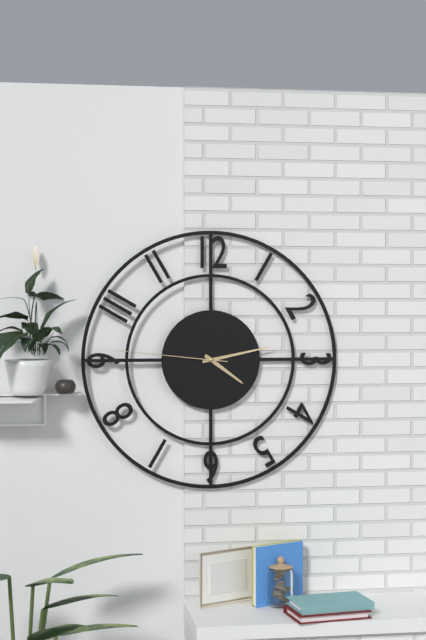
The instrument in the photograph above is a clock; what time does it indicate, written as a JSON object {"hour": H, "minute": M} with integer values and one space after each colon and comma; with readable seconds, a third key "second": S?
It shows {"hour": 4, "minute": 13, "second": 46}
